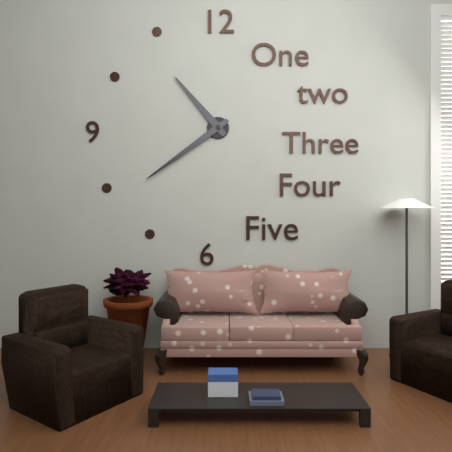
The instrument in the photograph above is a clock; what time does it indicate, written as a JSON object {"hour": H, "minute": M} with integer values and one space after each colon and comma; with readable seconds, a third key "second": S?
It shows {"hour": 10, "minute": 39}
